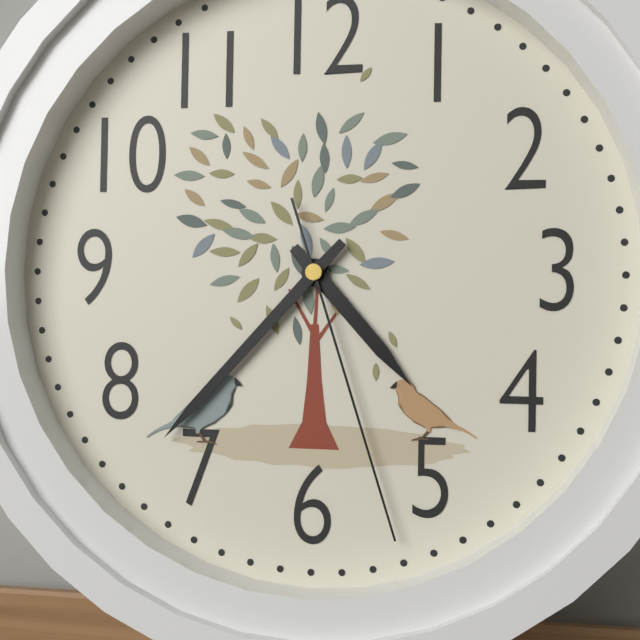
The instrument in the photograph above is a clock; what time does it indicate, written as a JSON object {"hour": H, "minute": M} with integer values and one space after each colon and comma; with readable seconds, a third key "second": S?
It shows {"hour": 4, "minute": 37, "second": 27}
